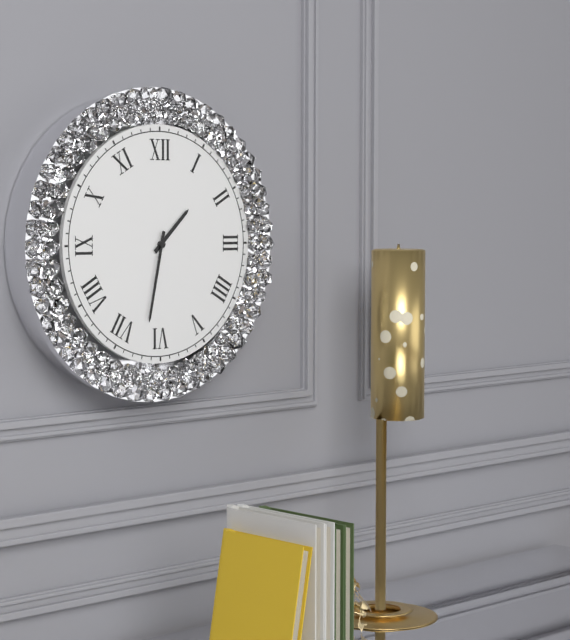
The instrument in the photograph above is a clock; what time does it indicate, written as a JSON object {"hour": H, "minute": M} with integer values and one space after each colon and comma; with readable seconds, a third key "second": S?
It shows {"hour": 1, "minute": 32}
